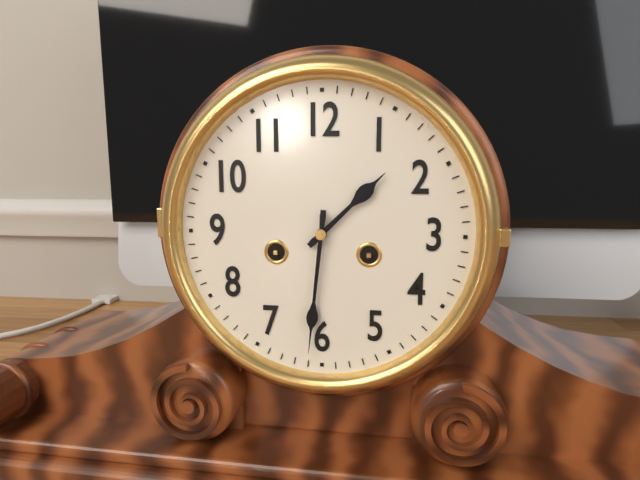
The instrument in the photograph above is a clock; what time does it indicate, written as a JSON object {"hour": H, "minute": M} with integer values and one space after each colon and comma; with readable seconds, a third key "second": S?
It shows {"hour": 1, "minute": 31}
